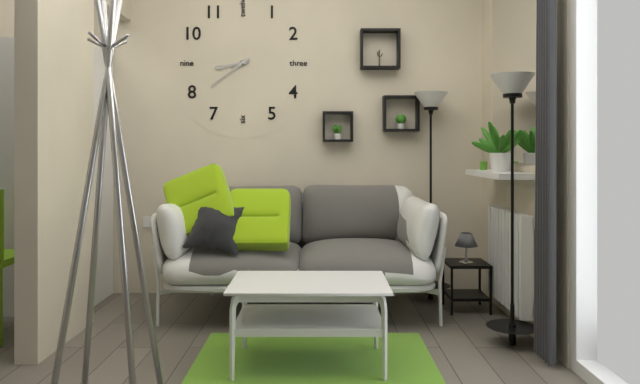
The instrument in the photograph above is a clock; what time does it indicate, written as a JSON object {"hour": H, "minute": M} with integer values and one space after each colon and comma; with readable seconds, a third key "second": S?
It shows {"hour": 8, "minute": 39}
